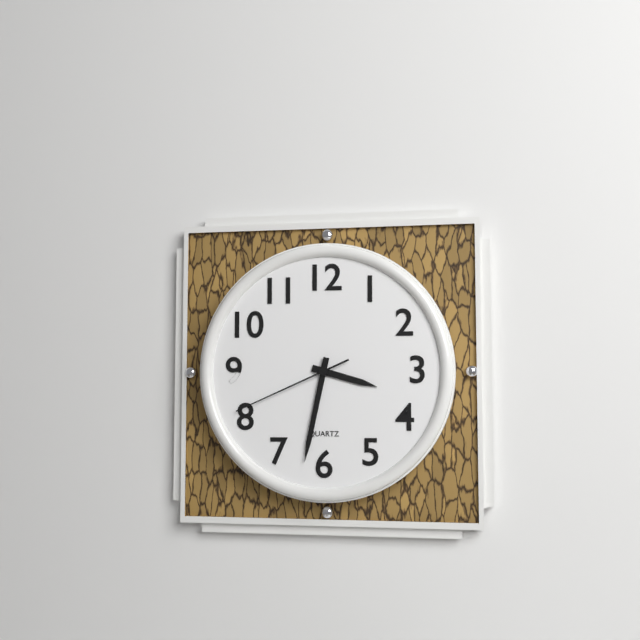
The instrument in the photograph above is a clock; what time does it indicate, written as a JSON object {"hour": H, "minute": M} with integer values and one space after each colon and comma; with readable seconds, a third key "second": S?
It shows {"hour": 3, "minute": 32, "second": 41}
